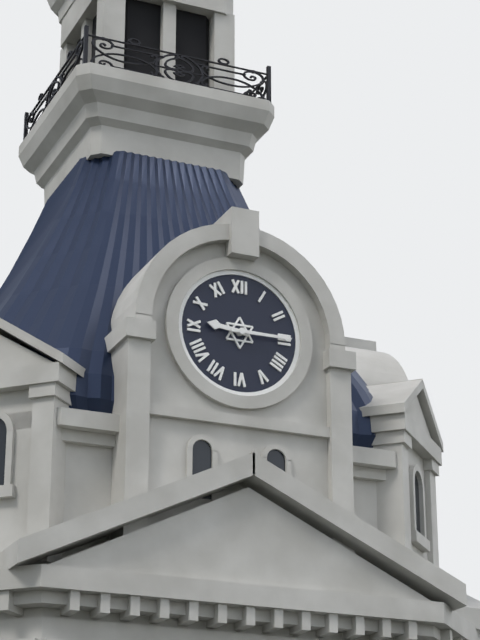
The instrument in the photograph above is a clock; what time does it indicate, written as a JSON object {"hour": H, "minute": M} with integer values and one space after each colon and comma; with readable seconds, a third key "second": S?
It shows {"hour": 9, "minute": 15}
